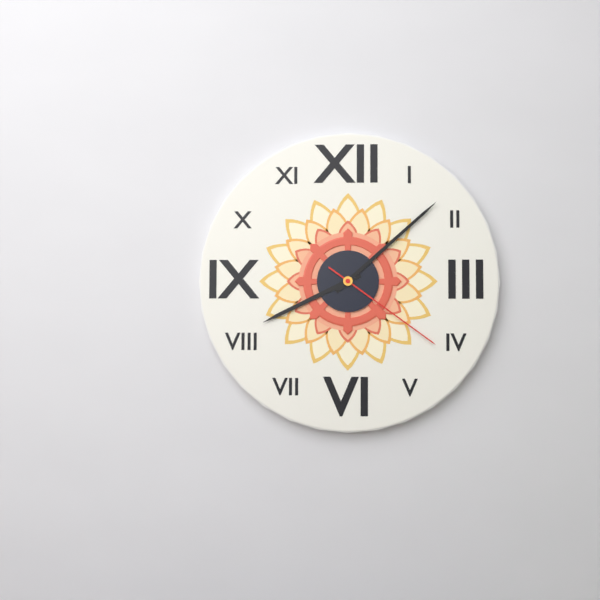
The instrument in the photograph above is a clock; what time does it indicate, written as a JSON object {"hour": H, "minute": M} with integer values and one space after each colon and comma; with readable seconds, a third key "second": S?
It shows {"hour": 8, "minute": 8, "second": 21}
